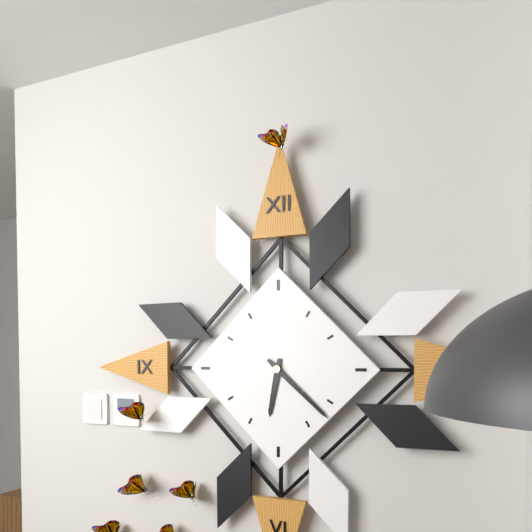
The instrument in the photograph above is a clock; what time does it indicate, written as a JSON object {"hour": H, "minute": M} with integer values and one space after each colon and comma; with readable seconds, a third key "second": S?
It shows {"hour": 6, "minute": 22}
